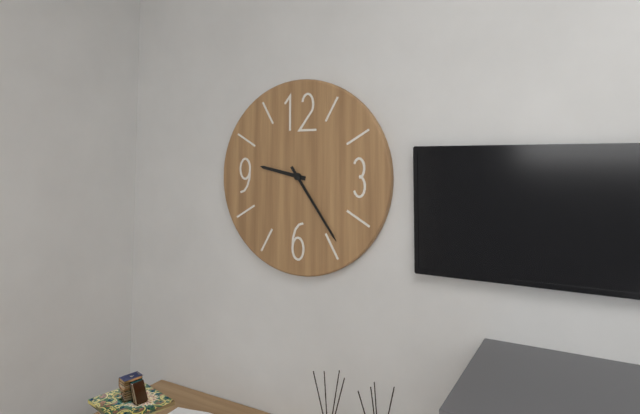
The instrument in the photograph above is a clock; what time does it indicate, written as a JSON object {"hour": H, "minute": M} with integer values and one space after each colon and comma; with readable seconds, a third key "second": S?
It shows {"hour": 9, "minute": 24}
